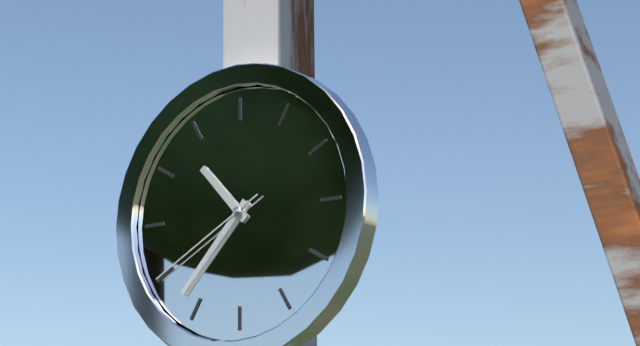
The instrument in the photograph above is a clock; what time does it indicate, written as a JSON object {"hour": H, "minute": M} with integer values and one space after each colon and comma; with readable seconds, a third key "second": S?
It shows {"hour": 10, "minute": 37, "second": 40}
